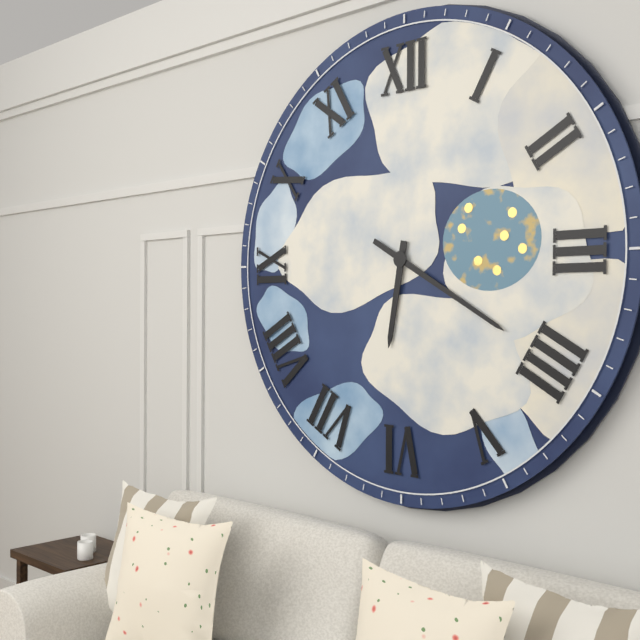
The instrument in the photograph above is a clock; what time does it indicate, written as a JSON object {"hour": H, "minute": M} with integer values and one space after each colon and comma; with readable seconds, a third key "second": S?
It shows {"hour": 6, "minute": 20}
